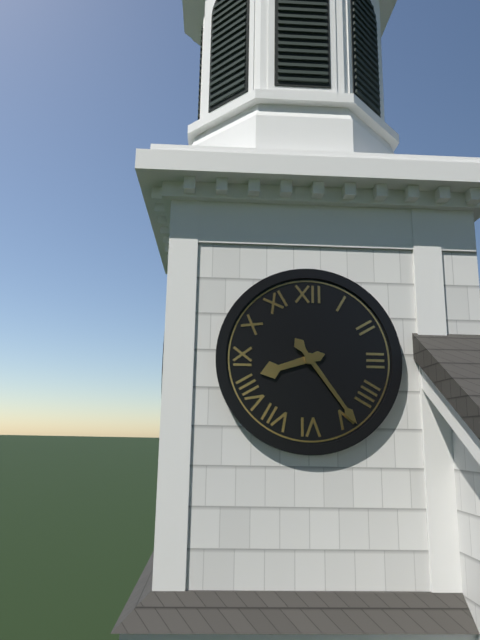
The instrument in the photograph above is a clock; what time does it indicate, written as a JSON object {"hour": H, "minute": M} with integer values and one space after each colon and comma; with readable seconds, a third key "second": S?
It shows {"hour": 8, "minute": 24}
